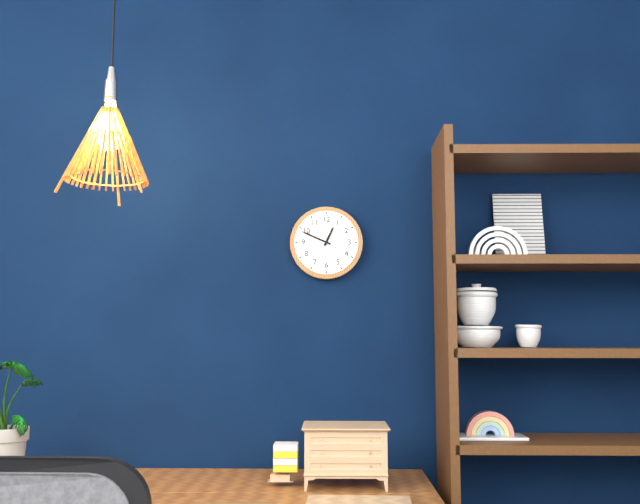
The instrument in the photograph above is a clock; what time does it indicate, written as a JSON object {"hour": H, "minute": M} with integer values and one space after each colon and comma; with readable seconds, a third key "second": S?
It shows {"hour": 12, "minute": 49}
